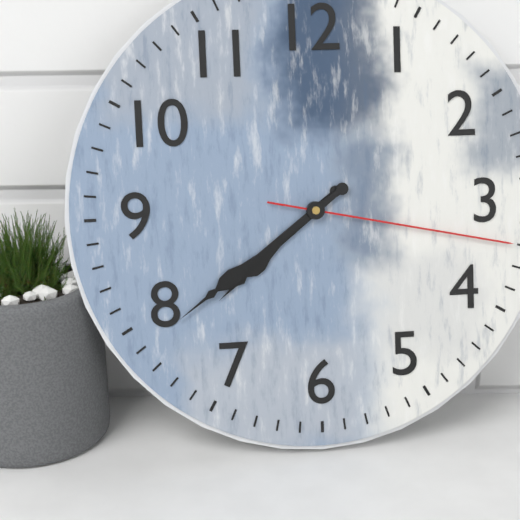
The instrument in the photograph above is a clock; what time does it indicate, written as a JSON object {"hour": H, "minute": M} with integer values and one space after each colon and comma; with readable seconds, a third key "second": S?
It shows {"hour": 7, "minute": 39, "second": 17}
